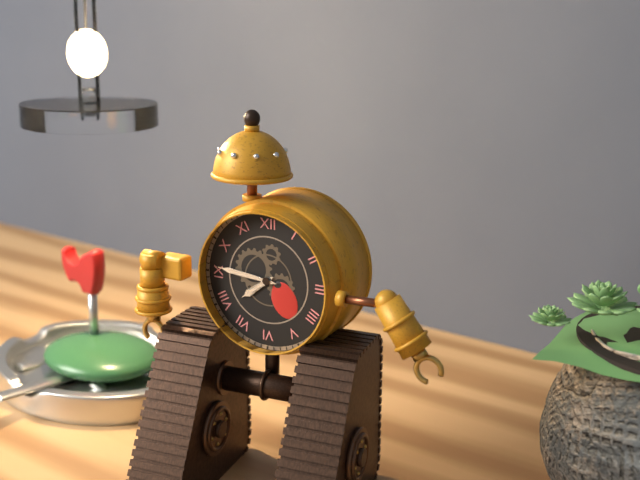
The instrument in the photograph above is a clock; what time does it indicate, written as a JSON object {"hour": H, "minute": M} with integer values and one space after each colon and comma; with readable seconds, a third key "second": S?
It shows {"hour": 7, "minute": 46}
